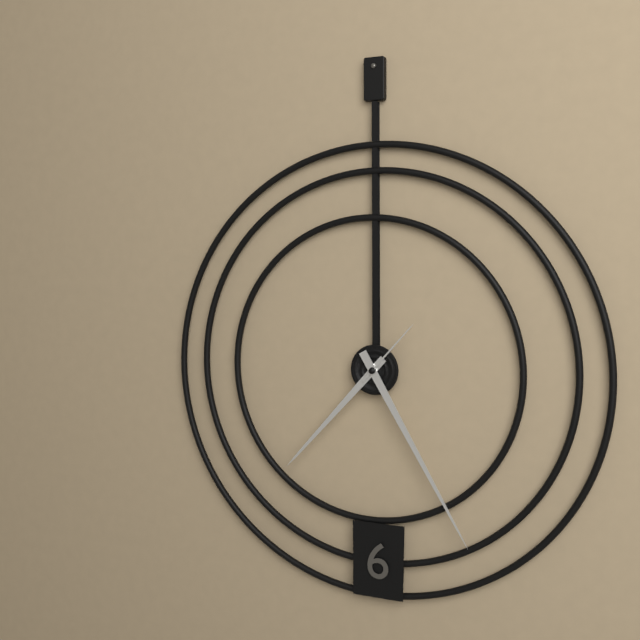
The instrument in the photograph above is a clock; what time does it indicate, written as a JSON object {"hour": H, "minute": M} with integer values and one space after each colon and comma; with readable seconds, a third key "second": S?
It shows {"hour": 7, "minute": 25, "second": 7}
